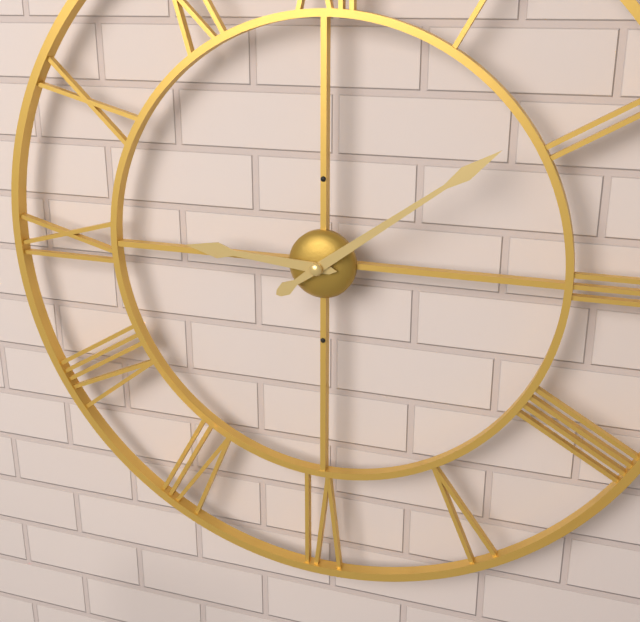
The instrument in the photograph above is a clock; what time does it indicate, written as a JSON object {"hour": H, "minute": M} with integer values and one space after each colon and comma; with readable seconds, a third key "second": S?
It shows {"hour": 9, "minute": 9}
